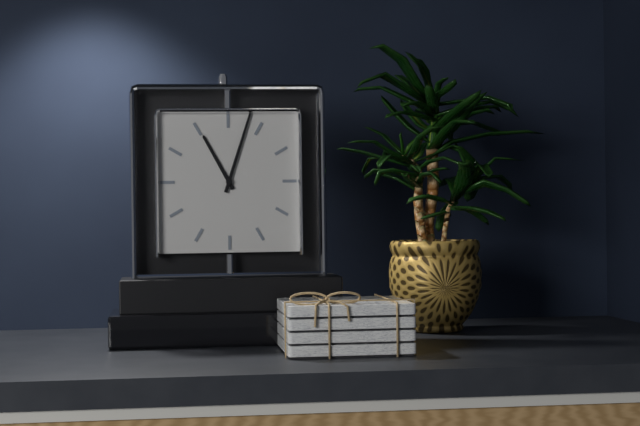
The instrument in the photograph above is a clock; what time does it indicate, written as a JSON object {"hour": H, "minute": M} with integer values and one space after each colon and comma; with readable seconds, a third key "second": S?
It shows {"hour": 11, "minute": 3}
